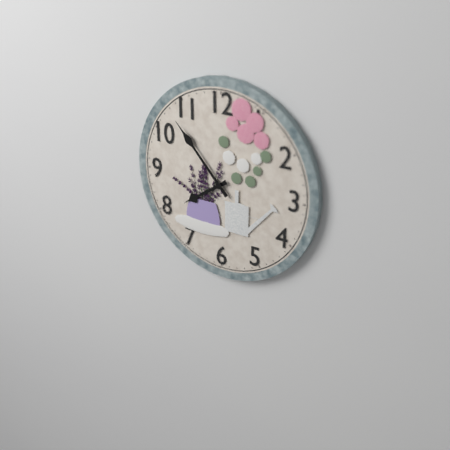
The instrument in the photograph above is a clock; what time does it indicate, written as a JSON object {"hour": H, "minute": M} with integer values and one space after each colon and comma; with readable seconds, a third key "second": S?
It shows {"hour": 7, "minute": 53}
